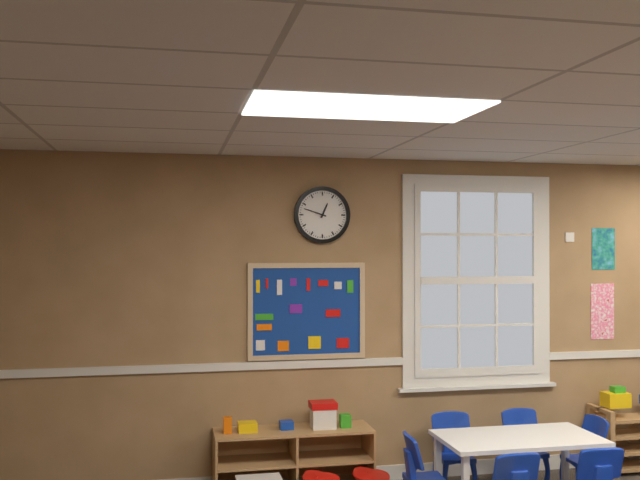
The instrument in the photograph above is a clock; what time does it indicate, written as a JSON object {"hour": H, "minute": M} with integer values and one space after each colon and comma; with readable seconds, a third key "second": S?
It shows {"hour": 12, "minute": 48}
